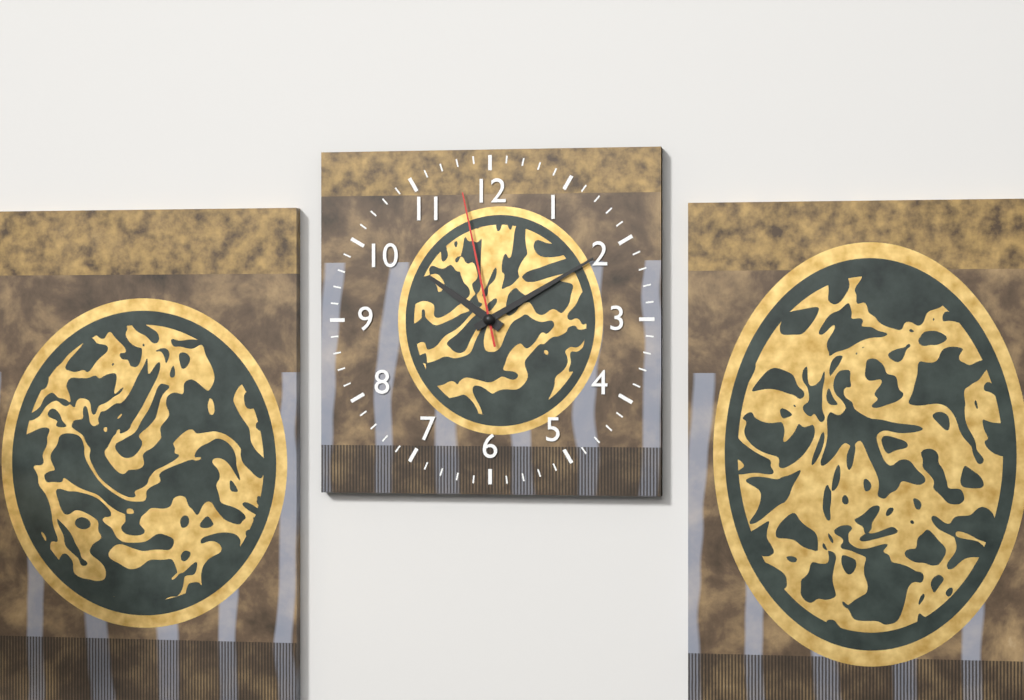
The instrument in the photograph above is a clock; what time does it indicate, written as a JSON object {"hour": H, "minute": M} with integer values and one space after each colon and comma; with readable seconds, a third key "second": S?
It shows {"hour": 10, "minute": 10, "second": 58}
